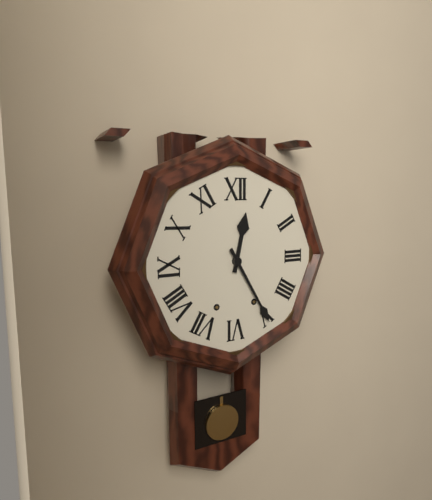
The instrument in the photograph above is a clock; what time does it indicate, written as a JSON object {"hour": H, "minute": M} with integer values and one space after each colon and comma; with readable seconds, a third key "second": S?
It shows {"hour": 12, "minute": 25}
